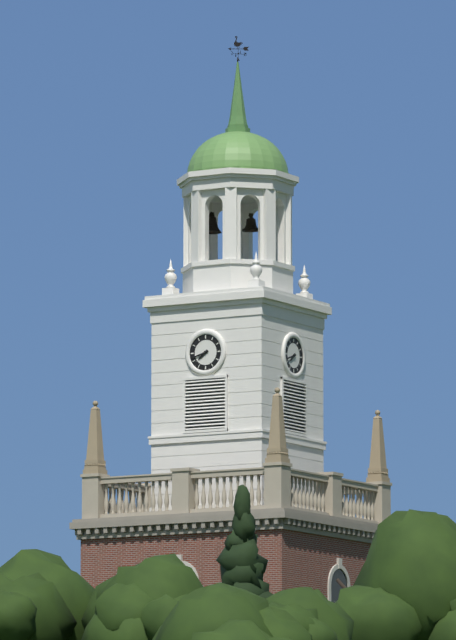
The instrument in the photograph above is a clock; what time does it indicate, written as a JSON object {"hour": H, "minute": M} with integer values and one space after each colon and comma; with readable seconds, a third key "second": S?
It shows {"hour": 7, "minute": 42}
